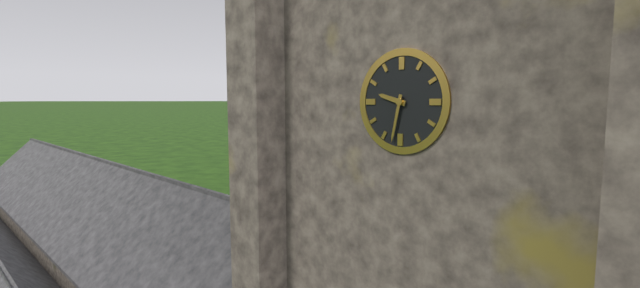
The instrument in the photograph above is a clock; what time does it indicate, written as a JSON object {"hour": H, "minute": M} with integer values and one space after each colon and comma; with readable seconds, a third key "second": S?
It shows {"hour": 9, "minute": 32}
